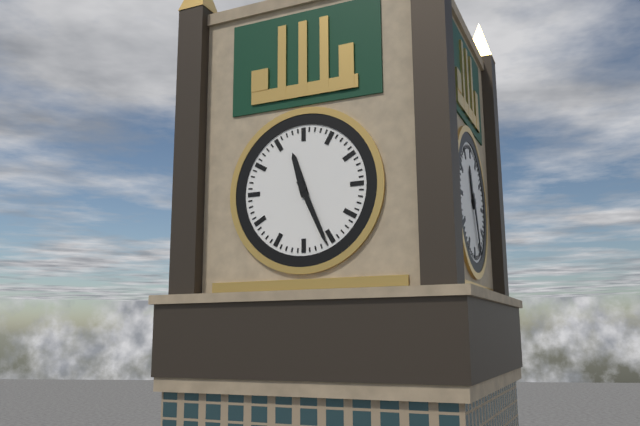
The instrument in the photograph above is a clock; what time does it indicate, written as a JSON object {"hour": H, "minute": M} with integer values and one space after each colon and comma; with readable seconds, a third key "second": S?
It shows {"hour": 11, "minute": 26}
